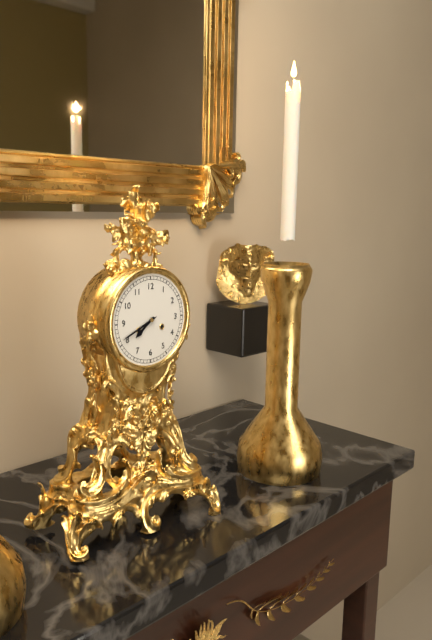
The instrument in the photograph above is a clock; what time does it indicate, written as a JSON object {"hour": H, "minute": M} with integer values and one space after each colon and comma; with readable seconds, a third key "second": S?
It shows {"hour": 7, "minute": 41}
